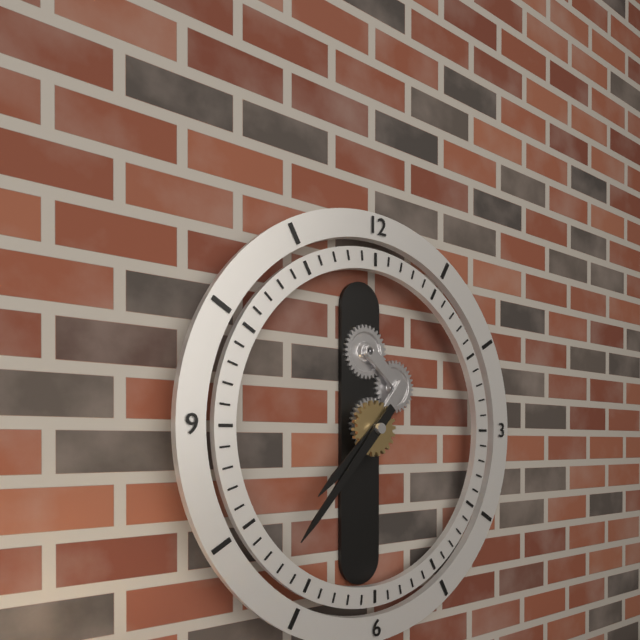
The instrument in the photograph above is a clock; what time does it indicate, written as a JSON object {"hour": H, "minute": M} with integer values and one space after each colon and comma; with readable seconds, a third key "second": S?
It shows {"hour": 7, "minute": 37}
